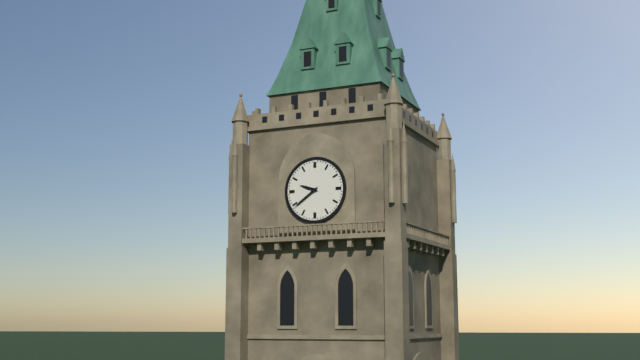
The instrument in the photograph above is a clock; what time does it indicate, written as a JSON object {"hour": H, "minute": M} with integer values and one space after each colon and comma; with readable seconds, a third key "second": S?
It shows {"hour": 9, "minute": 39}
